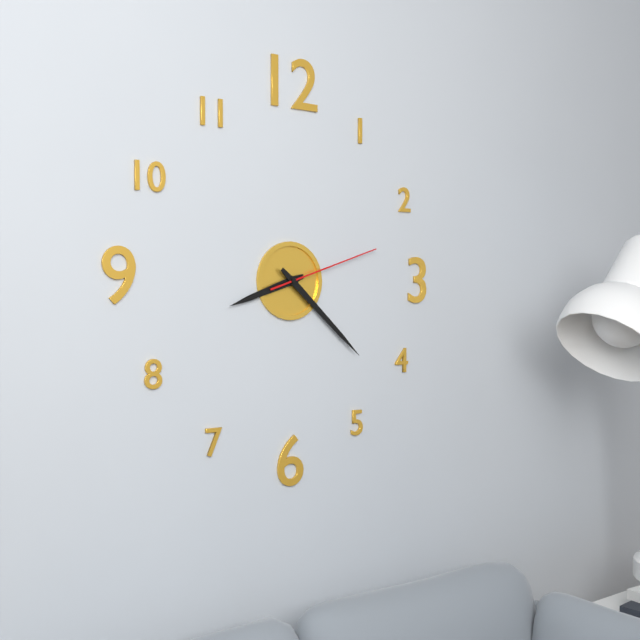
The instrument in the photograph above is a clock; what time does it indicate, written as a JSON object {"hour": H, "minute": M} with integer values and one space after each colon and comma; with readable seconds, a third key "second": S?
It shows {"hour": 8, "minute": 22, "second": 12}
